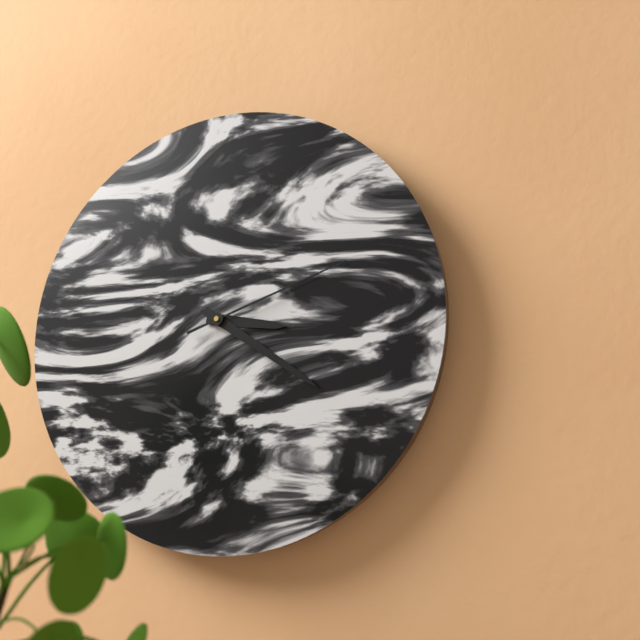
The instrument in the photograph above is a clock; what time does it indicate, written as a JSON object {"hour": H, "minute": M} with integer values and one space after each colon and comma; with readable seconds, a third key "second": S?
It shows {"hour": 3, "minute": 21, "second": 12}
